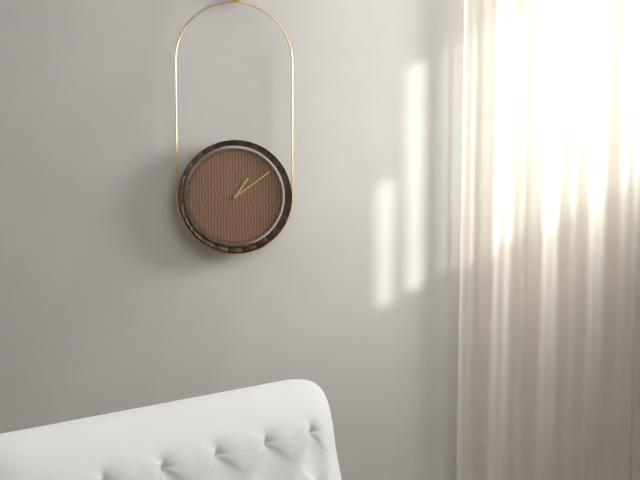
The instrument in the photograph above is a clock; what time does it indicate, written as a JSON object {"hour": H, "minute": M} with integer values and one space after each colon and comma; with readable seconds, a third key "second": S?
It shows {"hour": 1, "minute": 9}
